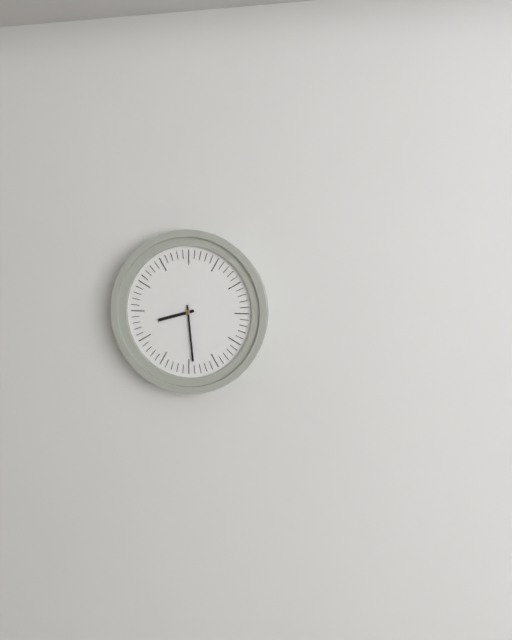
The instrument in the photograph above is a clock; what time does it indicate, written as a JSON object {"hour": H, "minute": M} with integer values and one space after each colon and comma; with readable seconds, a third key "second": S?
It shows {"hour": 8, "minute": 29}
